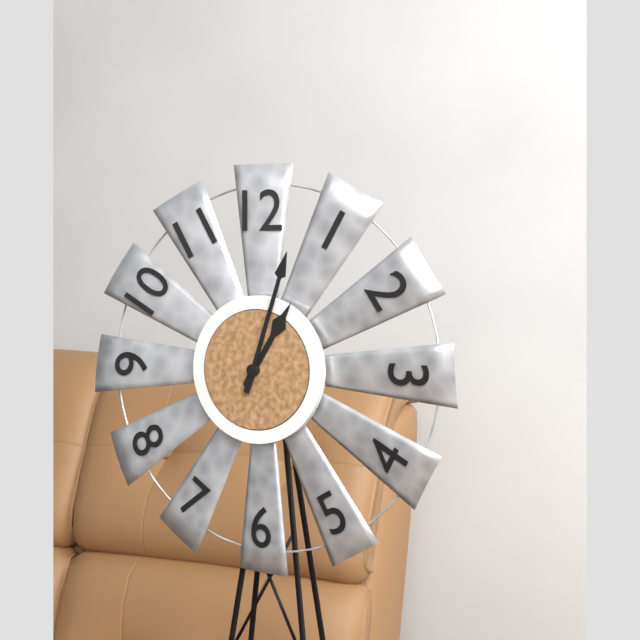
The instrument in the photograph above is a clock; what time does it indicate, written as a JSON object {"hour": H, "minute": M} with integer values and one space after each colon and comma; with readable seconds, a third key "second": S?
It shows {"hour": 1, "minute": 3}
